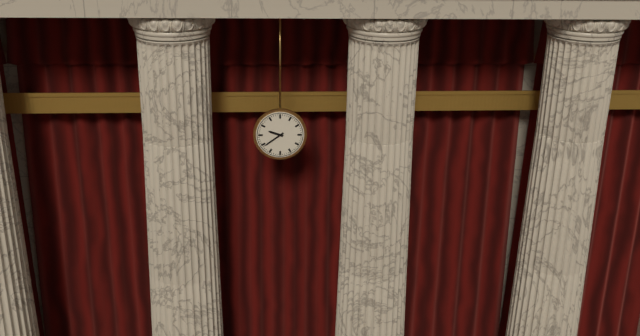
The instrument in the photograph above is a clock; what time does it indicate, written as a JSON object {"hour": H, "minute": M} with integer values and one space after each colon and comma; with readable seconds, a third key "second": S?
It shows {"hour": 9, "minute": 39}
